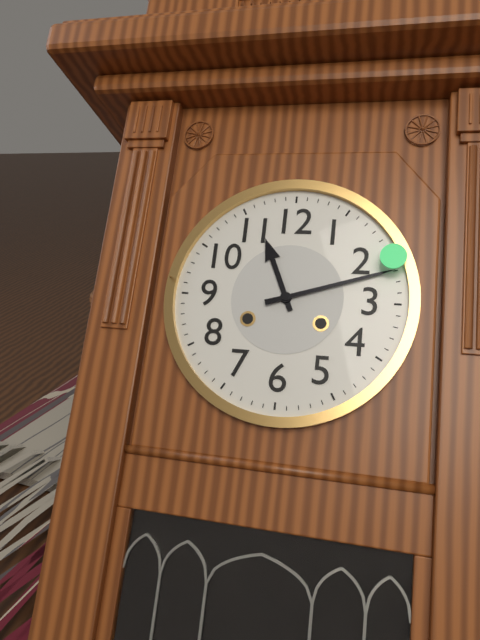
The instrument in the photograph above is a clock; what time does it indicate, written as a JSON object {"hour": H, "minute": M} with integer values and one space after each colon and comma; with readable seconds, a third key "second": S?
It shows {"hour": 11, "minute": 12}
